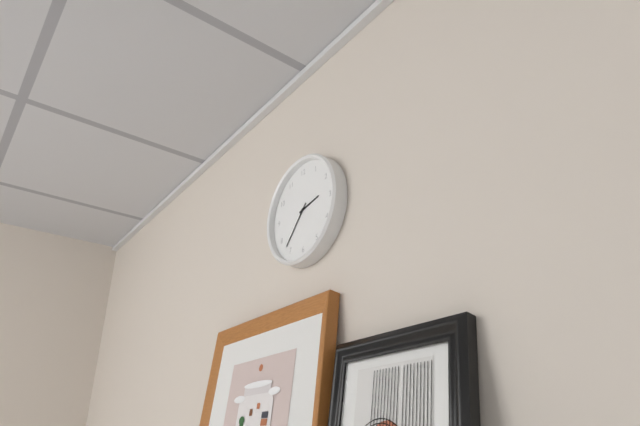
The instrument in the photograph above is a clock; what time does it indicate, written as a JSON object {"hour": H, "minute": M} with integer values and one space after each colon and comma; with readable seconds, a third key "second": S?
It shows {"hour": 2, "minute": 37}
